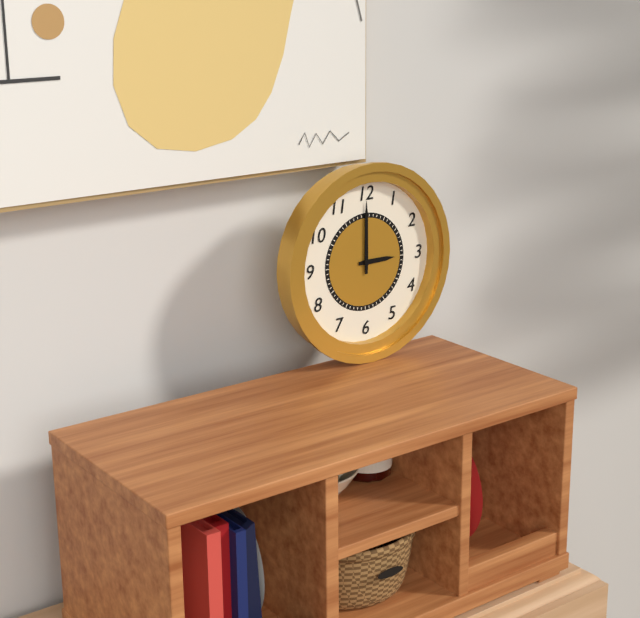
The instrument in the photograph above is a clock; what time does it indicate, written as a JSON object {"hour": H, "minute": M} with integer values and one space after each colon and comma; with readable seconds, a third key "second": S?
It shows {"hour": 3, "minute": 0}
